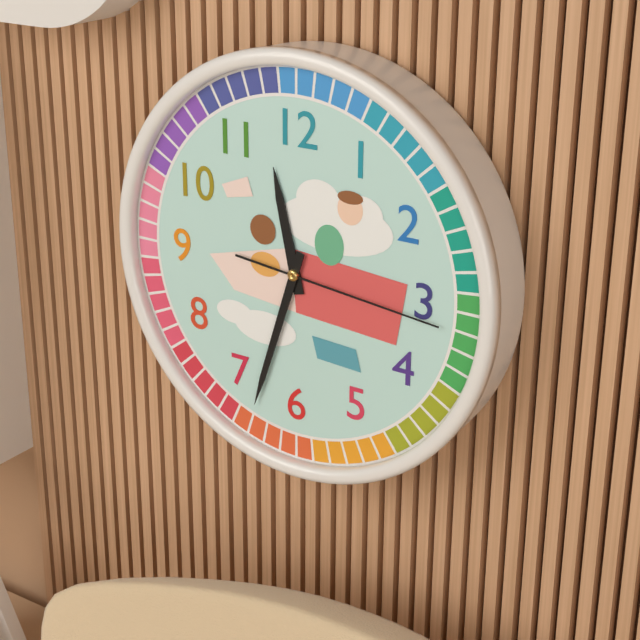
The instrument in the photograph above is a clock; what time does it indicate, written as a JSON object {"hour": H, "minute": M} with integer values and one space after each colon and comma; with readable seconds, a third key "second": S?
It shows {"hour": 11, "minute": 33, "second": 16}
